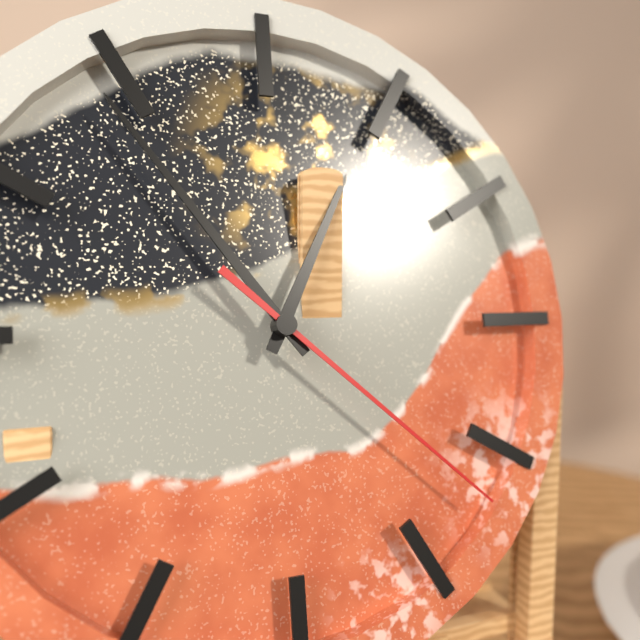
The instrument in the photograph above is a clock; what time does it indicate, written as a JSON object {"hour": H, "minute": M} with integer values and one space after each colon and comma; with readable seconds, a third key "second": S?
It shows {"hour": 12, "minute": 54, "second": 22}
